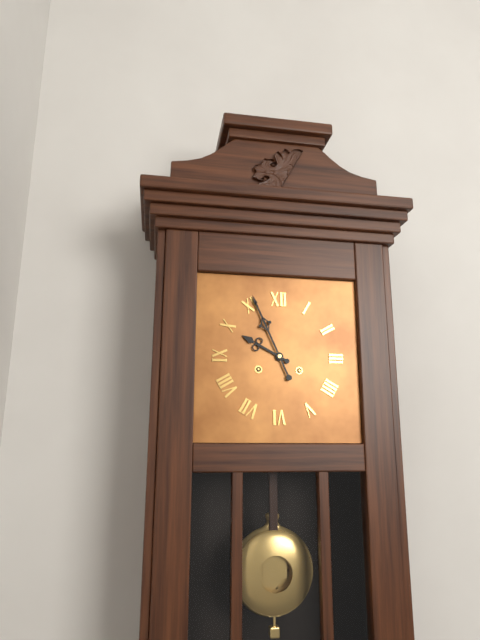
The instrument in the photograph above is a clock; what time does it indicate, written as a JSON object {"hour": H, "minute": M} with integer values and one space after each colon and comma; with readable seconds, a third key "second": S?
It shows {"hour": 9, "minute": 56}
